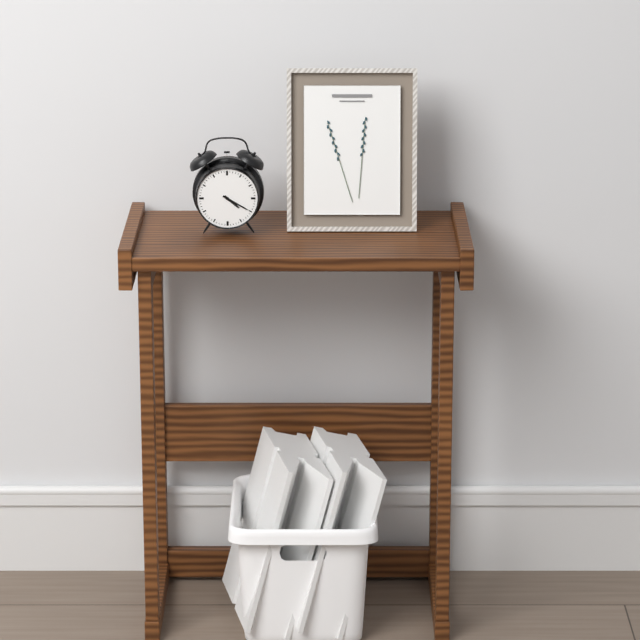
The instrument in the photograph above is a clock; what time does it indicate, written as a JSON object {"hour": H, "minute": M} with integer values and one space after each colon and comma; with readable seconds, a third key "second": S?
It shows {"hour": 4, "minute": 20}
